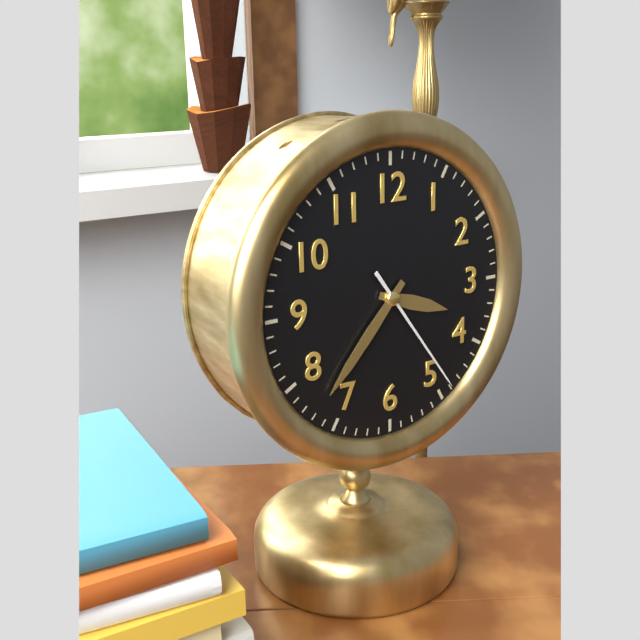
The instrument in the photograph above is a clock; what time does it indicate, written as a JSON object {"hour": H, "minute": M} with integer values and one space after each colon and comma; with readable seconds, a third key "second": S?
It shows {"hour": 3, "minute": 37, "second": 24}
